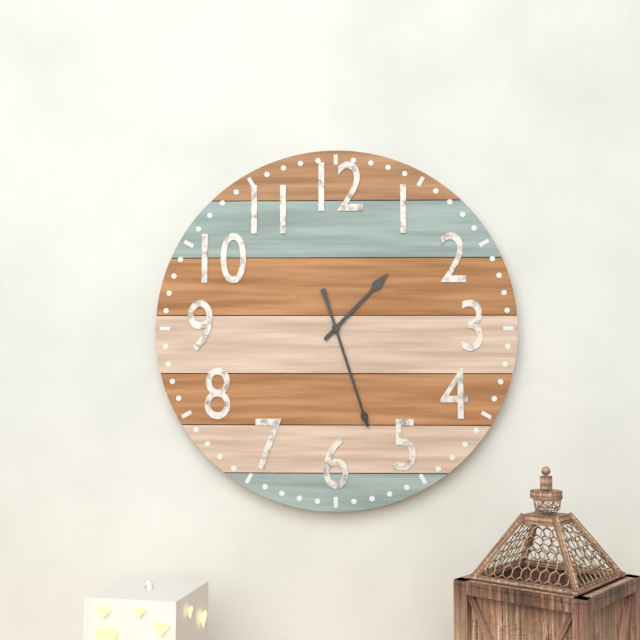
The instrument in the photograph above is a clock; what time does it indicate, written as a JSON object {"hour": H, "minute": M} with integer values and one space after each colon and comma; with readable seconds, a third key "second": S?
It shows {"hour": 1, "minute": 27}
